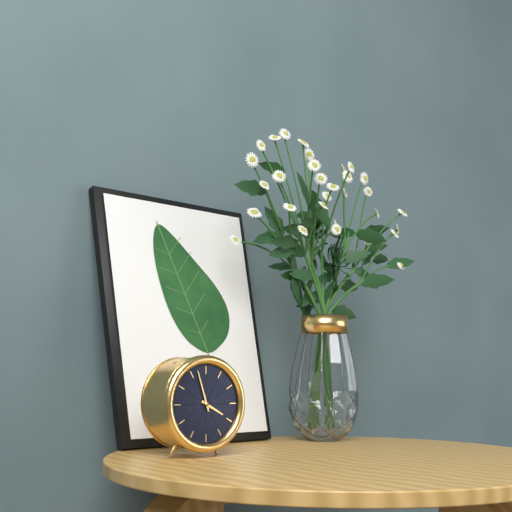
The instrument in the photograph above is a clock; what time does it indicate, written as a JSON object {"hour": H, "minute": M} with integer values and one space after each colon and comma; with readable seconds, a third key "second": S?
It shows {"hour": 3, "minute": 57}
